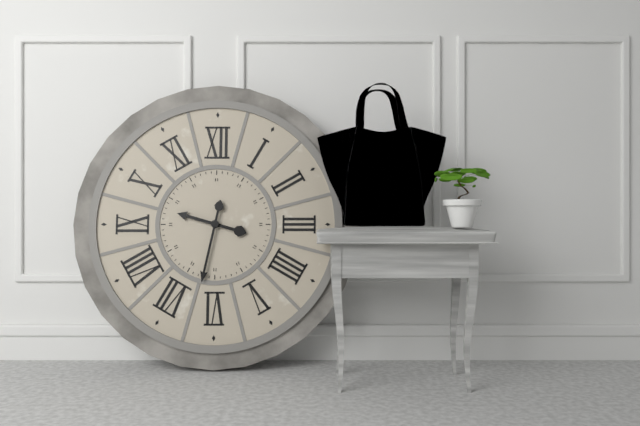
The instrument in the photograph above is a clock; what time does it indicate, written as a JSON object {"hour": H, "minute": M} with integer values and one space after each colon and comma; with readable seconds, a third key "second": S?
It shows {"hour": 9, "minute": 32}
